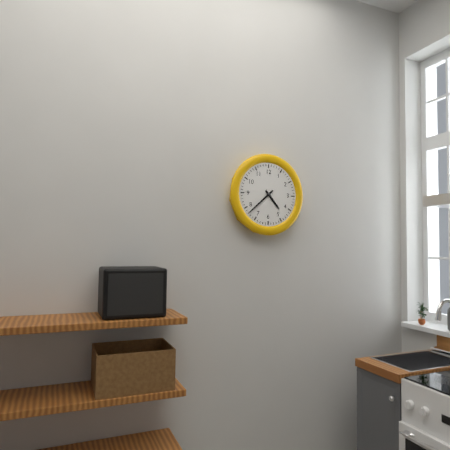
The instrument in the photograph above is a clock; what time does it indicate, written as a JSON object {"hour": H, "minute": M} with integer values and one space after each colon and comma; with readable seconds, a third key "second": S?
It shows {"hour": 4, "minute": 38}
